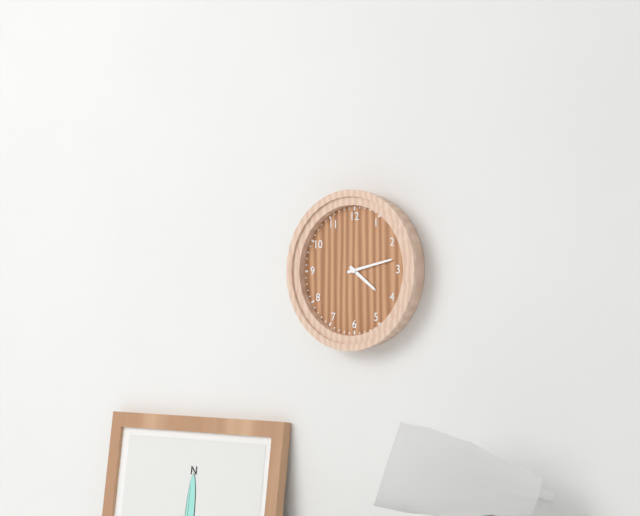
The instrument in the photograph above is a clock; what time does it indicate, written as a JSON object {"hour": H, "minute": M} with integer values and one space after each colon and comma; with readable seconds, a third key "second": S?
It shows {"hour": 4, "minute": 13}
